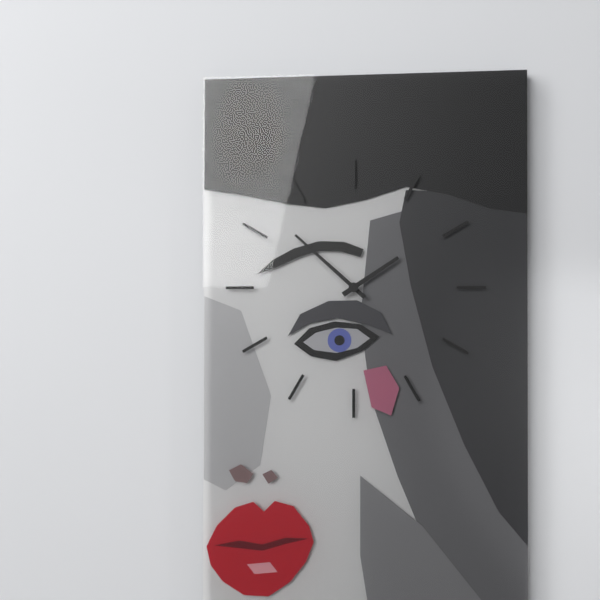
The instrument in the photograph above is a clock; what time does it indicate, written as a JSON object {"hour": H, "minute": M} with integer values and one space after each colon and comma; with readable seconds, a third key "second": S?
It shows {"hour": 1, "minute": 52}
